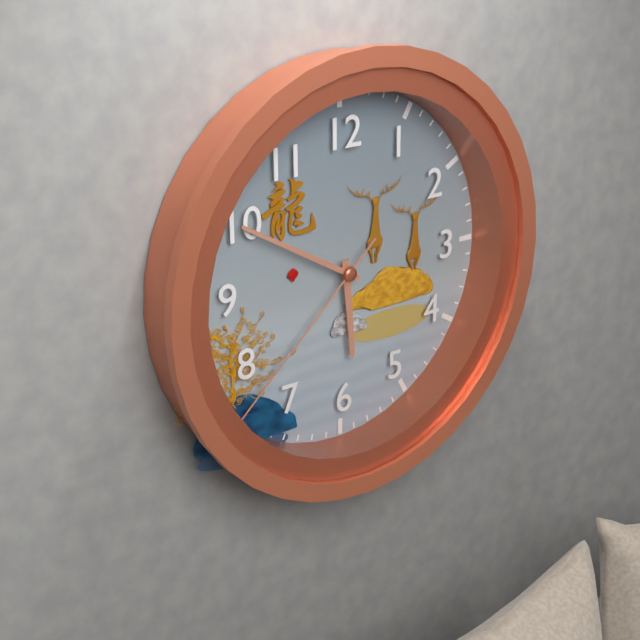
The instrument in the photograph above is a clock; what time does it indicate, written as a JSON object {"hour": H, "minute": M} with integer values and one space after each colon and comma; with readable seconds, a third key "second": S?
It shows {"hour": 5, "minute": 50, "second": 38}
